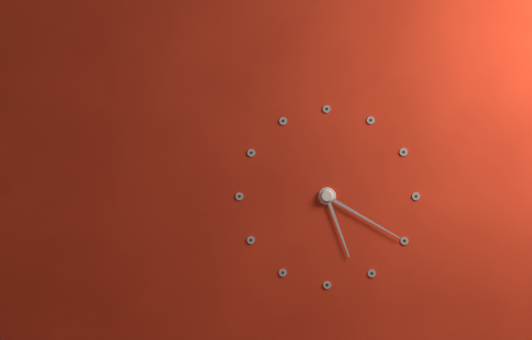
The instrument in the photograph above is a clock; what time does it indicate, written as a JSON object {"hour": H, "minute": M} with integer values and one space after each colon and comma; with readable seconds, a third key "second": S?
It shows {"hour": 5, "minute": 20}
